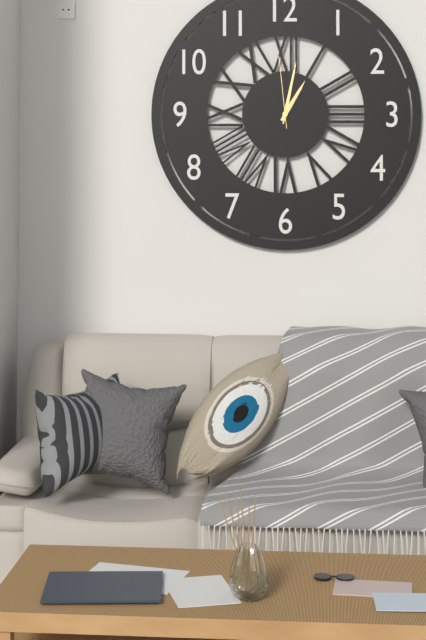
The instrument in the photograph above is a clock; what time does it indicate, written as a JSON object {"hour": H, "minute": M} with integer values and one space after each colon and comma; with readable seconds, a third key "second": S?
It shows {"hour": 1, "minute": 2, "second": 59}
